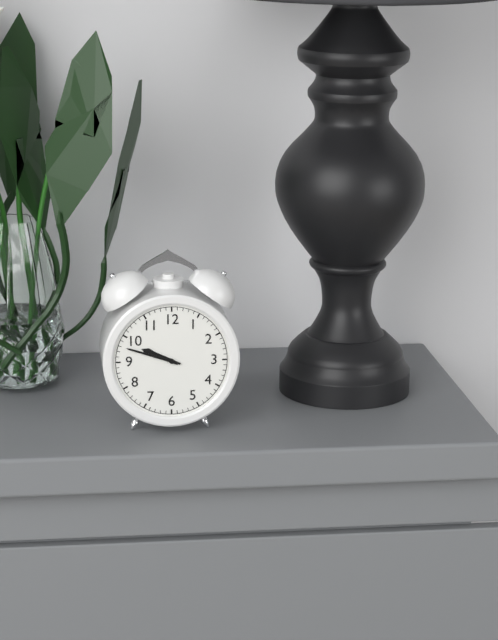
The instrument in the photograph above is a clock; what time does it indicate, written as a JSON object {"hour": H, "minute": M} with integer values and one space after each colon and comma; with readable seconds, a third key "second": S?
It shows {"hour": 9, "minute": 48}
